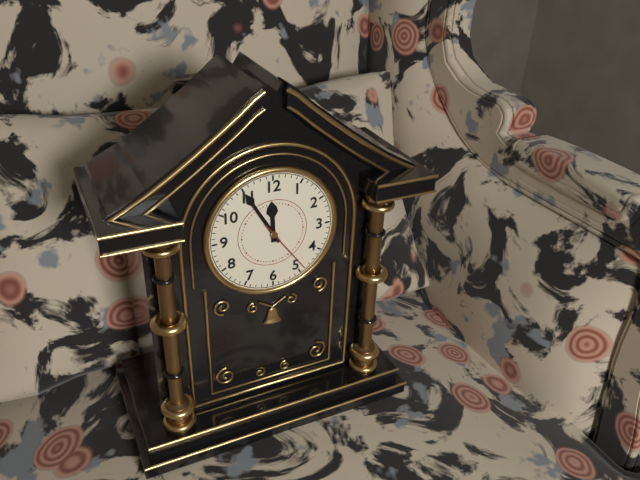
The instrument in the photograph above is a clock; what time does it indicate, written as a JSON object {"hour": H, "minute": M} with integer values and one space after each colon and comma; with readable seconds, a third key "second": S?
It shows {"hour": 11, "minute": 55, "second": 24}
